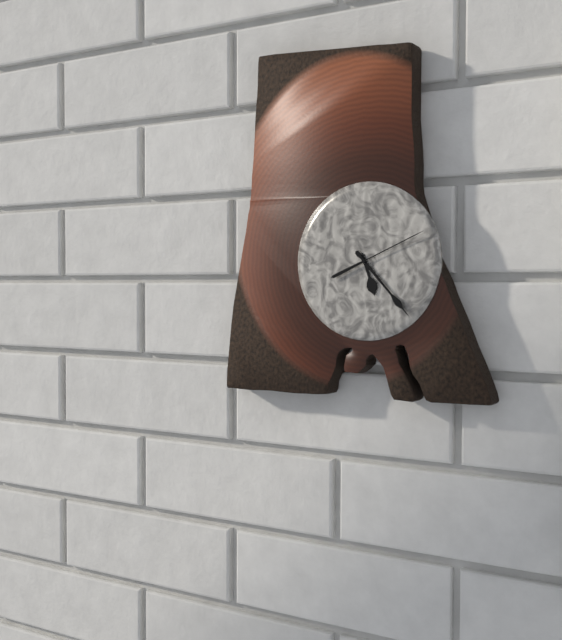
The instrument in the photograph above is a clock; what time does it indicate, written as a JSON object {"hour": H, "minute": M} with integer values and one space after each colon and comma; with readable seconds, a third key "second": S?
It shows {"hour": 5, "minute": 23, "second": 11}
